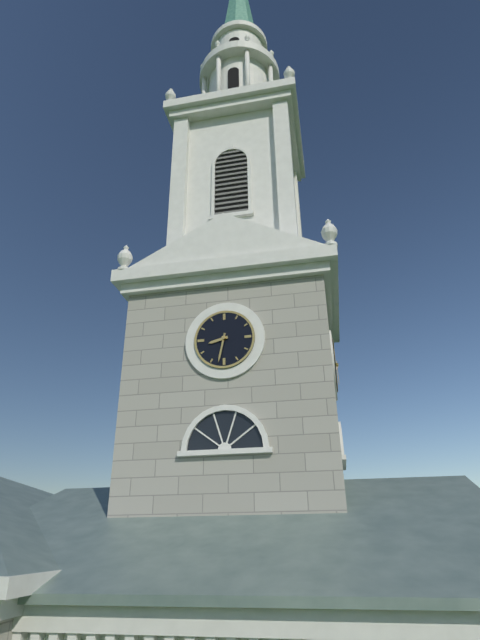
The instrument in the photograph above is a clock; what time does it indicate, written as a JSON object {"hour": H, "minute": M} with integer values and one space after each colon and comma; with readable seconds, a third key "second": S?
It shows {"hour": 8, "minute": 32}
